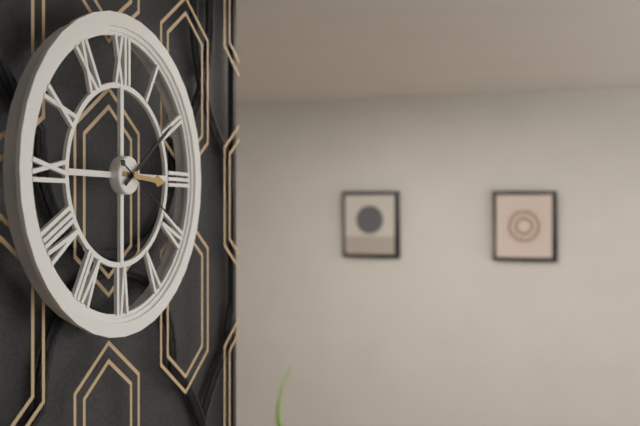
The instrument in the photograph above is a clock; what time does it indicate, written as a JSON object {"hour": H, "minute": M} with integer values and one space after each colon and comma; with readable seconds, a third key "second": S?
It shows {"hour": 3, "minute": 9, "second": 20}
